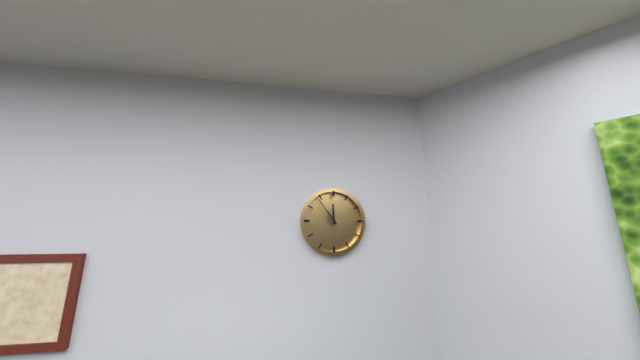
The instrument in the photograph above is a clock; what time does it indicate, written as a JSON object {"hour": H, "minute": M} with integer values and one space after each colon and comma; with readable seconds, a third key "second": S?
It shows {"hour": 11, "minute": 54}
